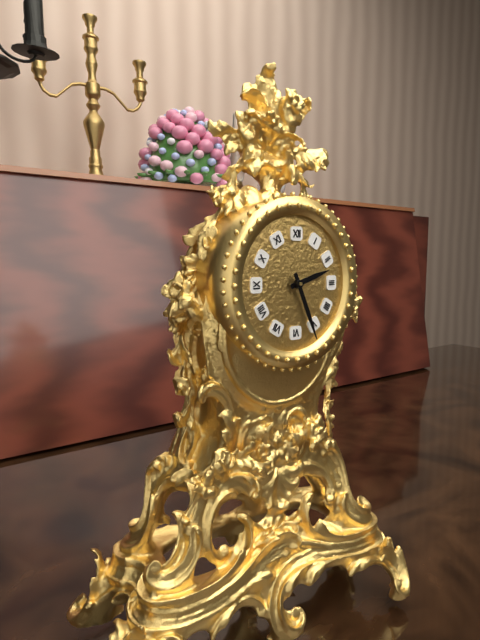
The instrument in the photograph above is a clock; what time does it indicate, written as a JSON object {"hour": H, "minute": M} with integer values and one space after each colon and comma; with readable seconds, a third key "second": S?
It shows {"hour": 2, "minute": 26}
